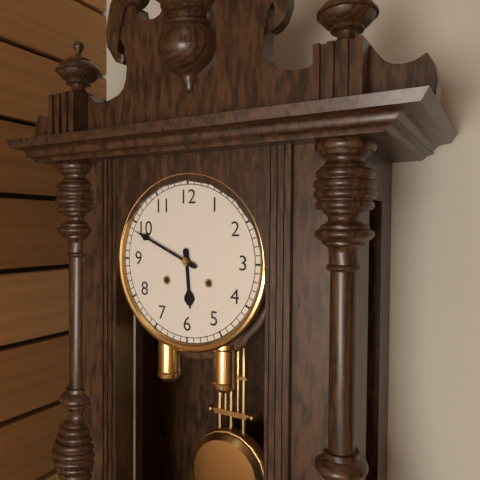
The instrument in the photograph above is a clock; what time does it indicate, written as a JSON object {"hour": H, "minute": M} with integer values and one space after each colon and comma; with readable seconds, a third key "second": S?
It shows {"hour": 5, "minute": 49}
